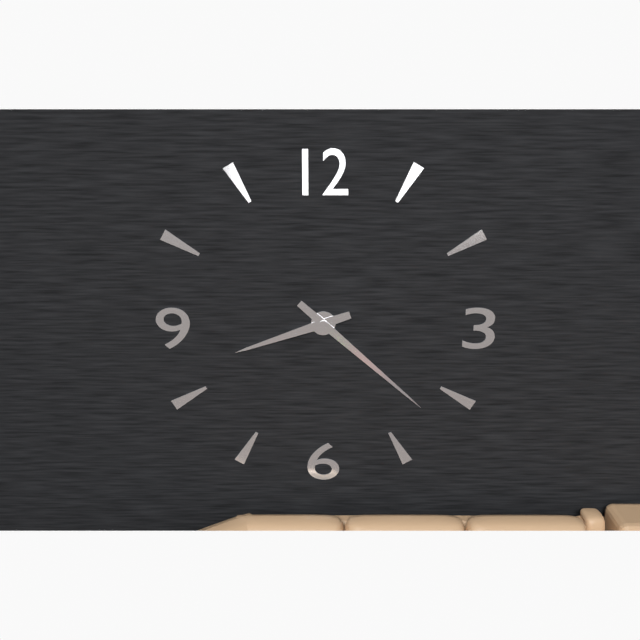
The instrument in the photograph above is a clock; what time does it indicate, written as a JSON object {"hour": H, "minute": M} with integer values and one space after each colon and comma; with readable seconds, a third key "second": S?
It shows {"hour": 8, "minute": 22}
